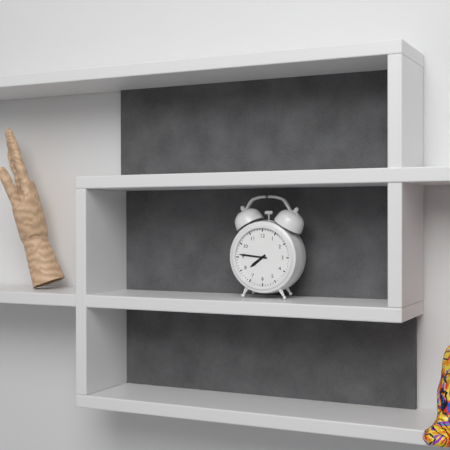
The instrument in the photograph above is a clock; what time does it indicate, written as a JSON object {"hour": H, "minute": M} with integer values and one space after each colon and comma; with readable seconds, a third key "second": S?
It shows {"hour": 7, "minute": 46}
